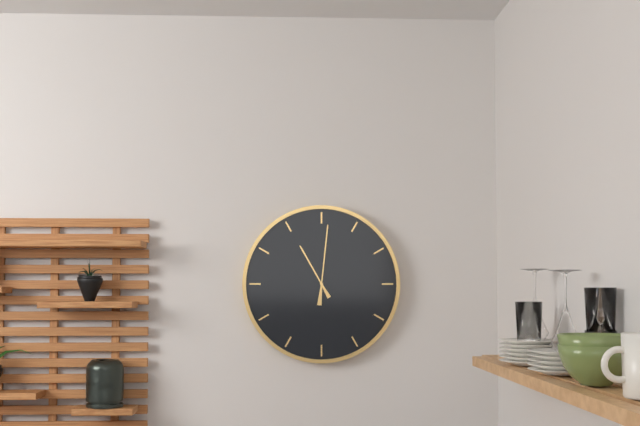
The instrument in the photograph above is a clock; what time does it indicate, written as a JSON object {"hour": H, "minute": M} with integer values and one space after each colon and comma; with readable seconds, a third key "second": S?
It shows {"hour": 11, "minute": 1}
